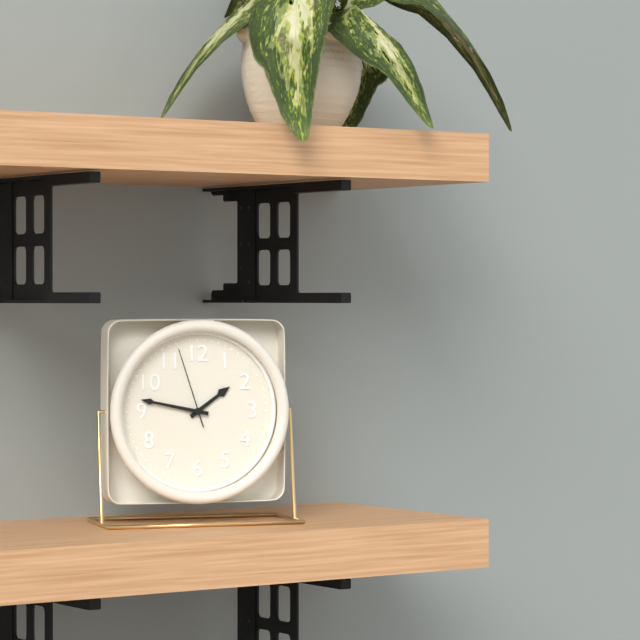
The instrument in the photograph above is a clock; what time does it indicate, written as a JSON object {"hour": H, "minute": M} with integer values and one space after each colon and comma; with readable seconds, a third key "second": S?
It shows {"hour": 1, "minute": 47, "second": 57}
